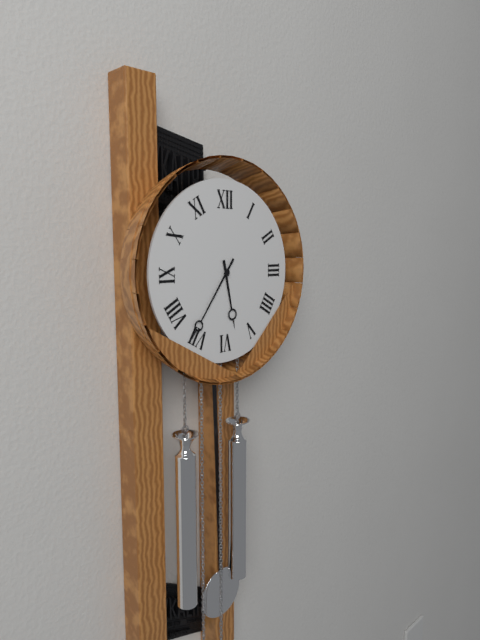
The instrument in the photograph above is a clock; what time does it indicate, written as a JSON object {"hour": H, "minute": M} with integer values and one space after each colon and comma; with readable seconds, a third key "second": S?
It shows {"hour": 5, "minute": 36}
